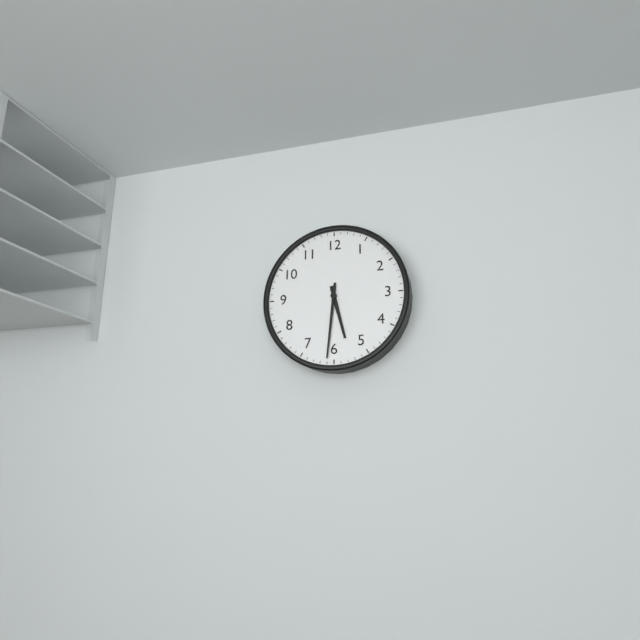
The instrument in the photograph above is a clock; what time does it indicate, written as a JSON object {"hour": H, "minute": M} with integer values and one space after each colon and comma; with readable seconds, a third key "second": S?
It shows {"hour": 5, "minute": 31}
